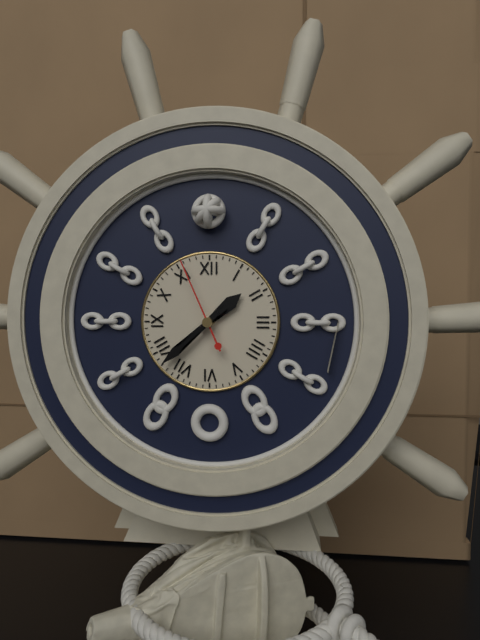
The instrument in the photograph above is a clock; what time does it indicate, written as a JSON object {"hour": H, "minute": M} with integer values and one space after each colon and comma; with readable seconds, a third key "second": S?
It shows {"hour": 1, "minute": 38, "second": 56}
